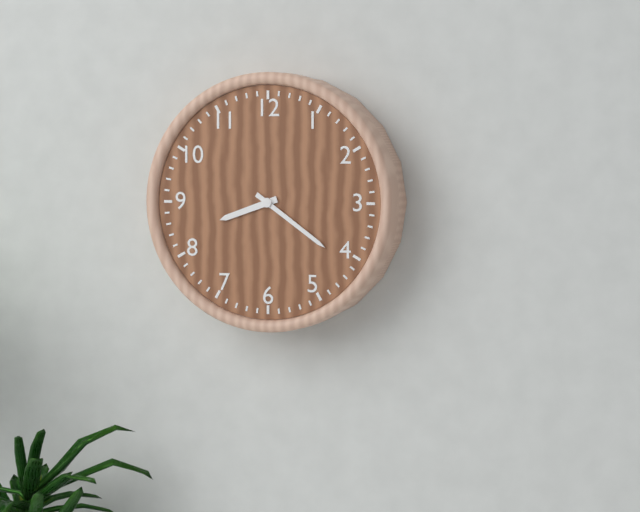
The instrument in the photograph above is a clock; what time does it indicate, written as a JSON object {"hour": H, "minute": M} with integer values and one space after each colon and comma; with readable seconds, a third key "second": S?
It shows {"hour": 8, "minute": 21}
